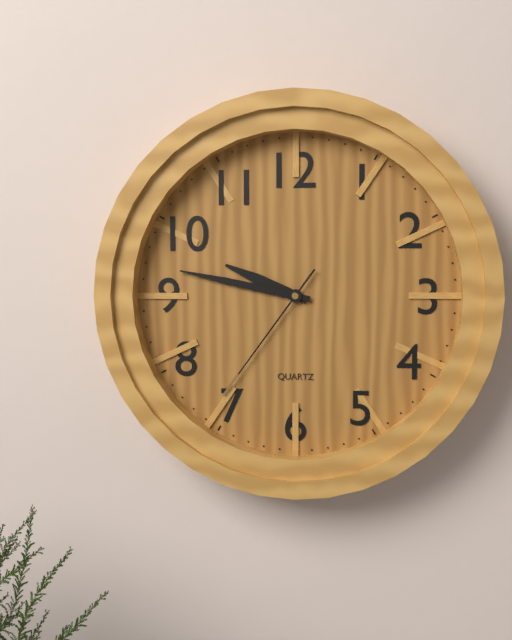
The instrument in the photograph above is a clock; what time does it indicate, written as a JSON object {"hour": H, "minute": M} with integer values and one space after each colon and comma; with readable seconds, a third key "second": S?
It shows {"hour": 9, "minute": 47, "second": 36}
